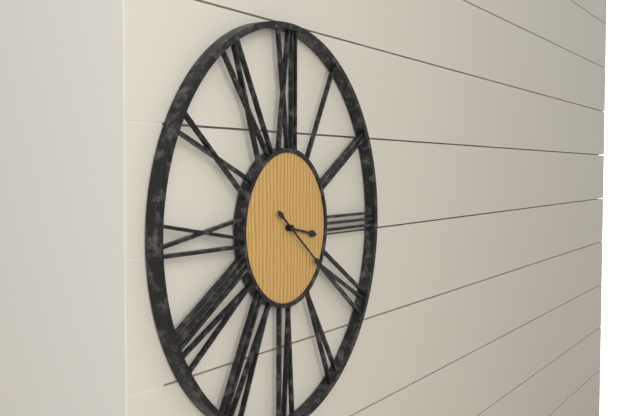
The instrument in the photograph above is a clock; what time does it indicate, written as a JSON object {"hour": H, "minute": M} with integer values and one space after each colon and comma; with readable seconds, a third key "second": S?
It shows {"hour": 3, "minute": 21}
